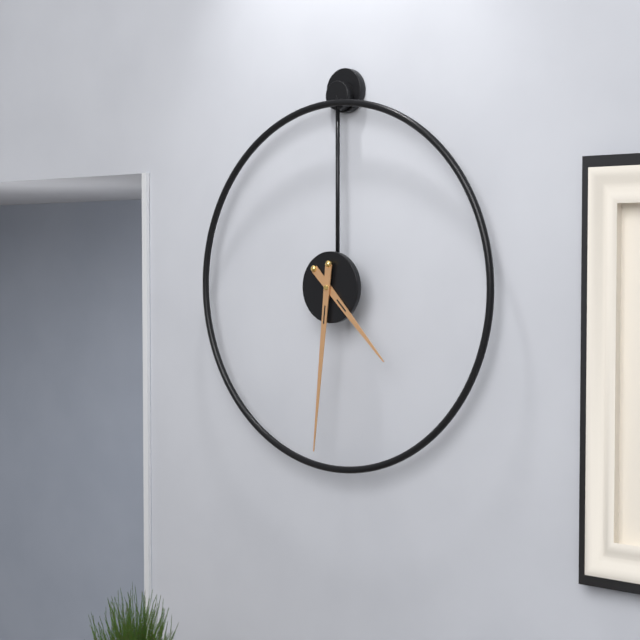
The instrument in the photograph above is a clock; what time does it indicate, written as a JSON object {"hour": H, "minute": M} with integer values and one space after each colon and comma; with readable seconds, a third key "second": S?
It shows {"hour": 4, "minute": 31}
